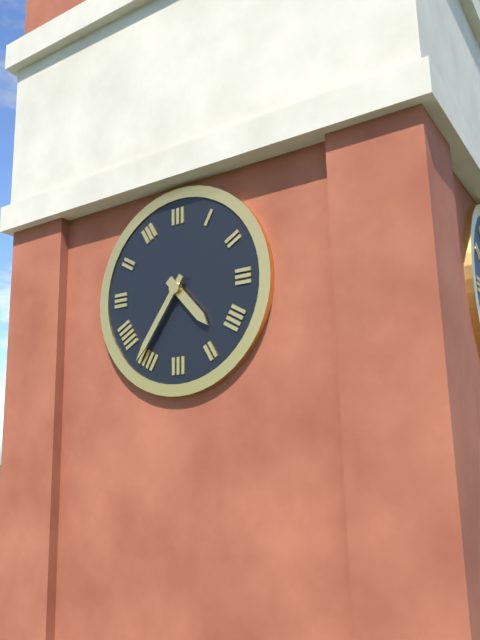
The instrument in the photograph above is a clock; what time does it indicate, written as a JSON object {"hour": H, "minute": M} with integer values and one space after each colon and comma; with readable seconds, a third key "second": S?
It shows {"hour": 4, "minute": 36}
